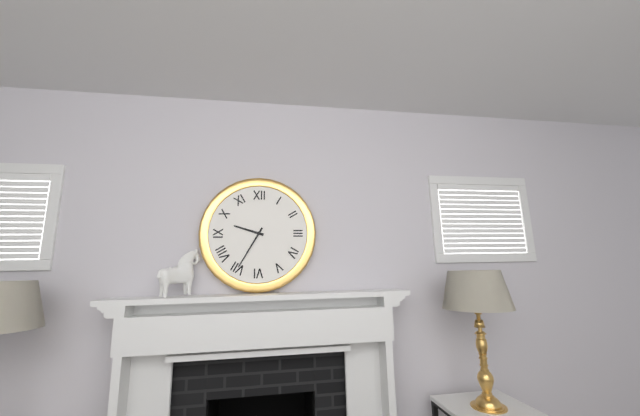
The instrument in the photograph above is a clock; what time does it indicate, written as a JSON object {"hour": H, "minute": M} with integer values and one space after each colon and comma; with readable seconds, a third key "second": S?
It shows {"hour": 9, "minute": 35}
